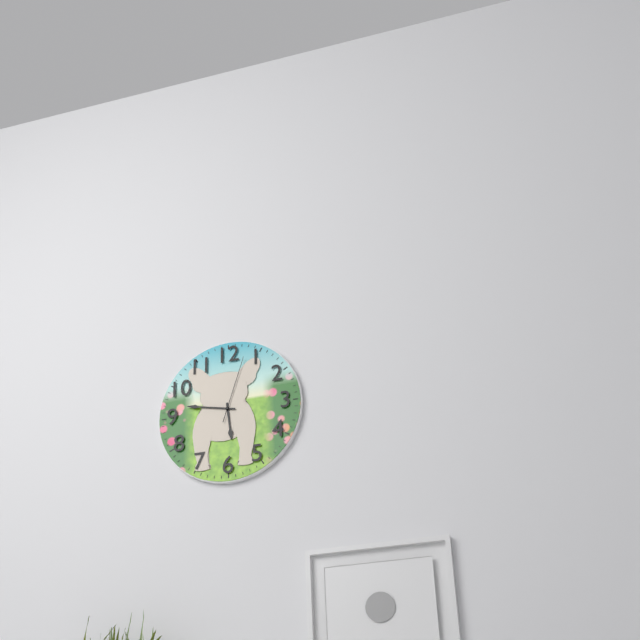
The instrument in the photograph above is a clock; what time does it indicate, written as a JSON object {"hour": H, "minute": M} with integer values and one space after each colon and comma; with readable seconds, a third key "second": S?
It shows {"hour": 5, "minute": 47, "second": 3}
